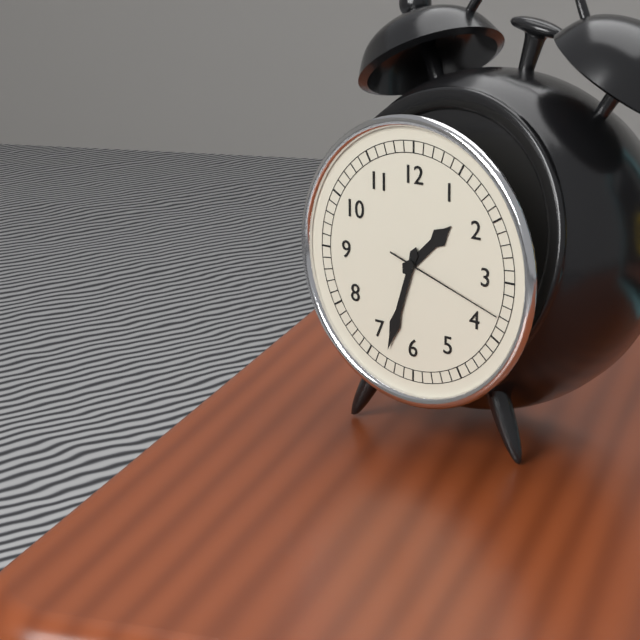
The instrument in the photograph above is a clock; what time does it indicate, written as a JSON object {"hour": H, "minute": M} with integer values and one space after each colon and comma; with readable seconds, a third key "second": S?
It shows {"hour": 1, "minute": 33, "second": 18}
